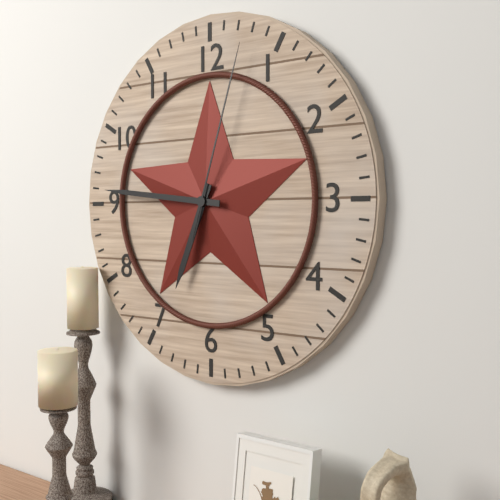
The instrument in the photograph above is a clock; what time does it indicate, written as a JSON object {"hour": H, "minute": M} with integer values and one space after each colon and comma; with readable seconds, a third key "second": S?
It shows {"hour": 6, "minute": 46, "second": 3}
